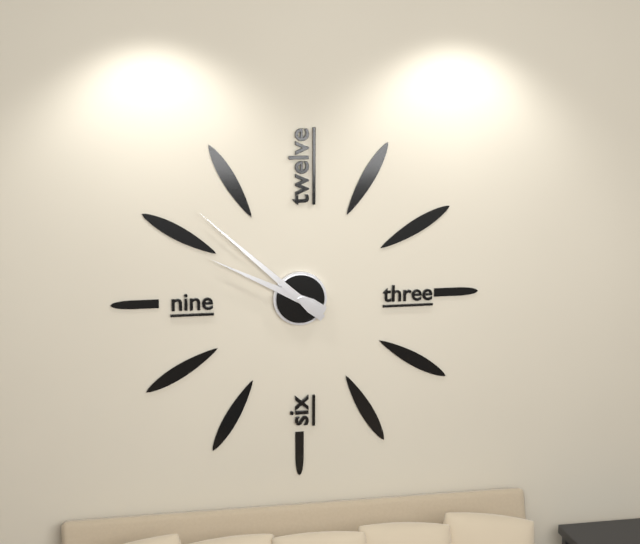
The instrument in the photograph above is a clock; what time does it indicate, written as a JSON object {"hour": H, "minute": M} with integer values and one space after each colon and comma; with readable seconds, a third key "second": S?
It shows {"hour": 9, "minute": 52}
